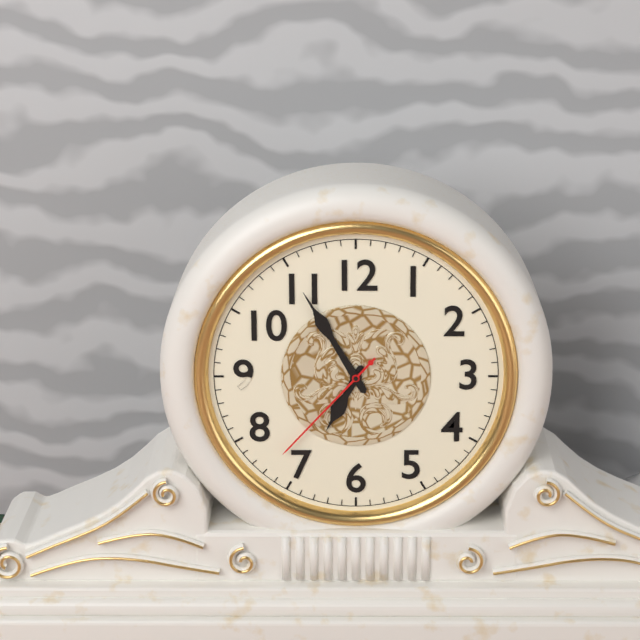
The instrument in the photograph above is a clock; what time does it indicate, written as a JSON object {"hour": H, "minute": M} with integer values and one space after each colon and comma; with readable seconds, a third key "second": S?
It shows {"hour": 6, "minute": 55, "second": 37}
